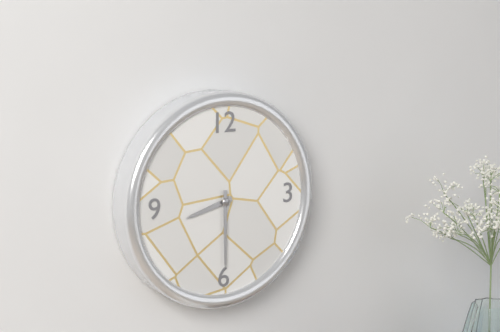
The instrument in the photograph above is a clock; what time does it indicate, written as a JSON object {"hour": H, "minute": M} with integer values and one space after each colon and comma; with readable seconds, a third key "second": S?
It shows {"hour": 8, "minute": 30}
